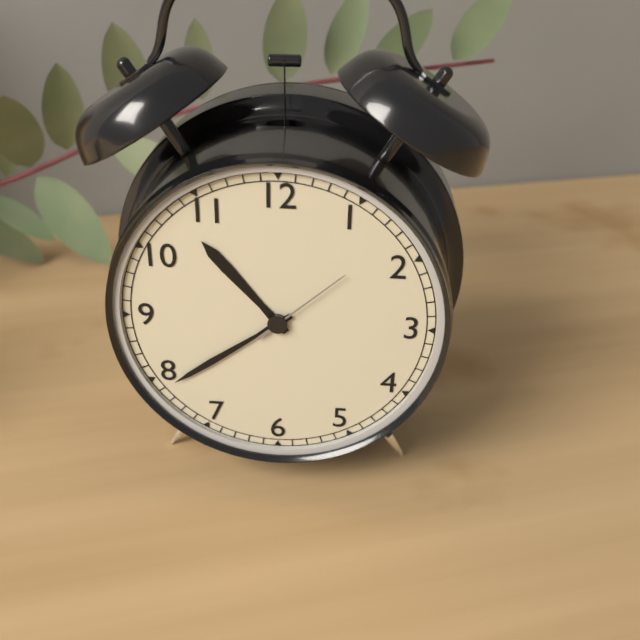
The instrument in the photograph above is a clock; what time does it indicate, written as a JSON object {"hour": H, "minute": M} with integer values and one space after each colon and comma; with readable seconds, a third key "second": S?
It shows {"hour": 10, "minute": 39, "second": 8}
